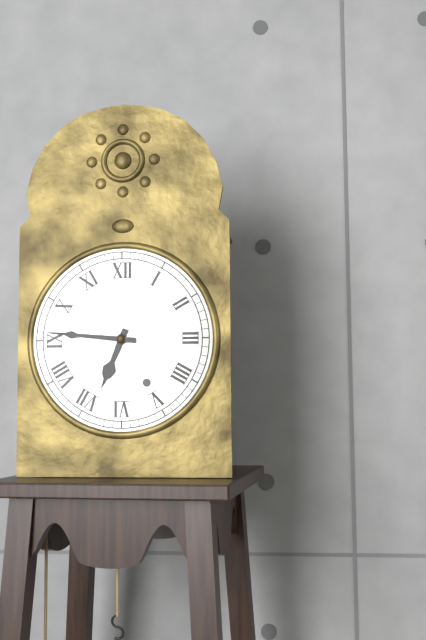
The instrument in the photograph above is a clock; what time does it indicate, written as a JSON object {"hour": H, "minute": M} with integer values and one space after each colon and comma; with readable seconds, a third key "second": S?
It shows {"hour": 6, "minute": 46}
